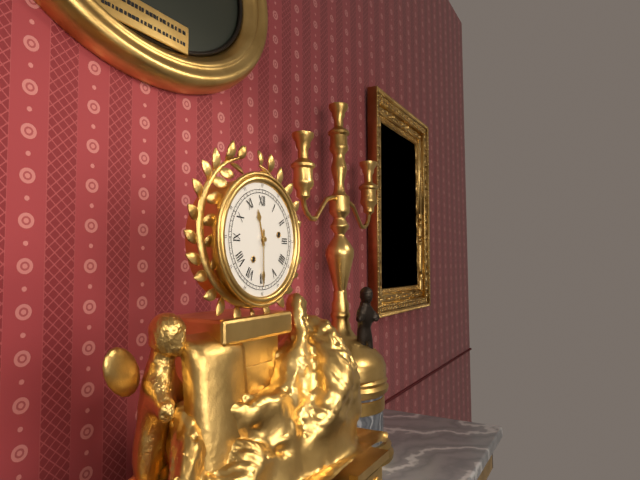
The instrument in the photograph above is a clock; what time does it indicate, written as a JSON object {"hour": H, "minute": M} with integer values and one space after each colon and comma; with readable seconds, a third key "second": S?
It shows {"hour": 11, "minute": 30}
